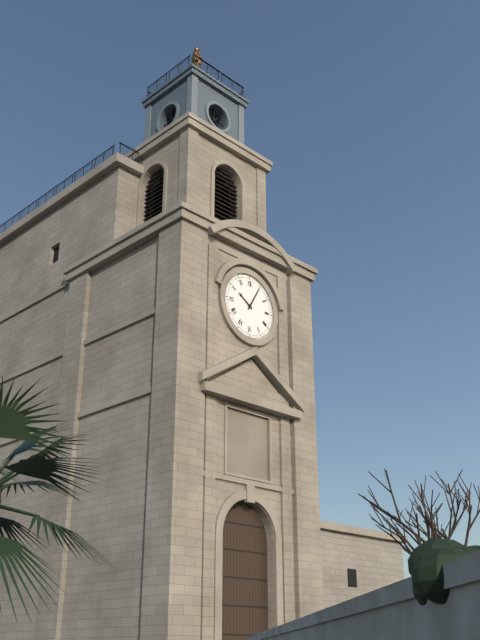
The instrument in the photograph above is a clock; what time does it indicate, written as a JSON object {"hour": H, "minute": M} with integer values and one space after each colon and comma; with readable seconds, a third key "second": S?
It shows {"hour": 10, "minute": 5}
